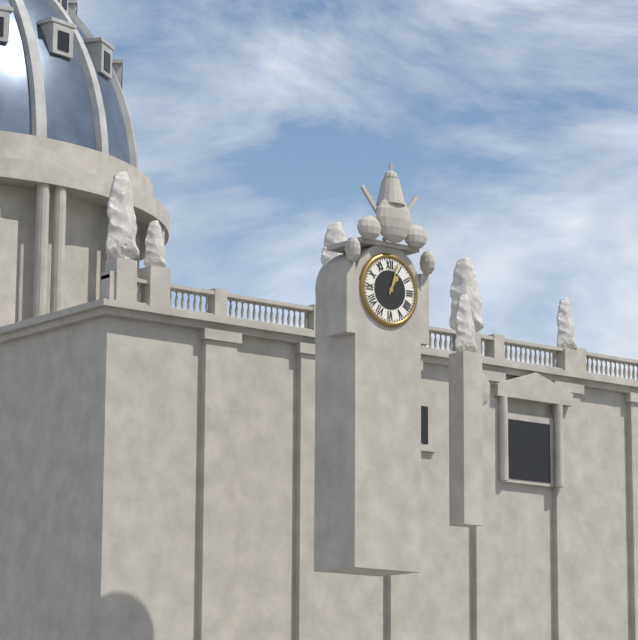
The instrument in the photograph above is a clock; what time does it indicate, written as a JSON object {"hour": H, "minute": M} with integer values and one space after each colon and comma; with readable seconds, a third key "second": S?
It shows {"hour": 1, "minute": 3}
